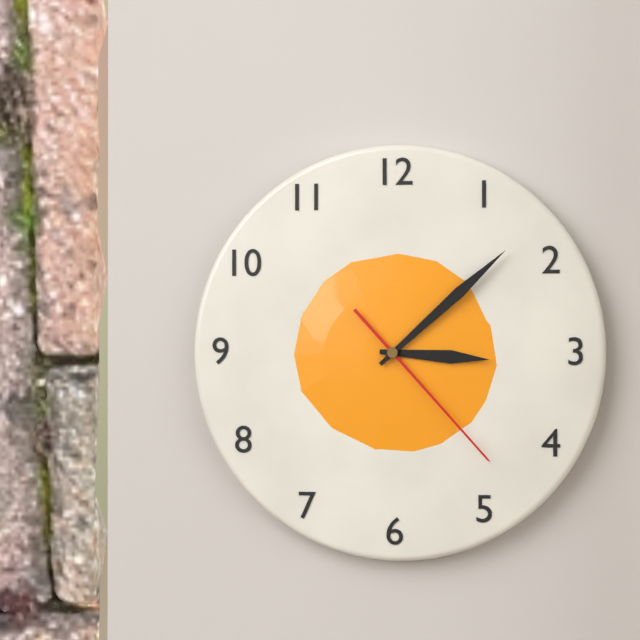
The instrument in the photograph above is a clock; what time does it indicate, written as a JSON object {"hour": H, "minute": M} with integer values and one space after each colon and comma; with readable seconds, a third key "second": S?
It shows {"hour": 3, "minute": 8, "second": 23}
